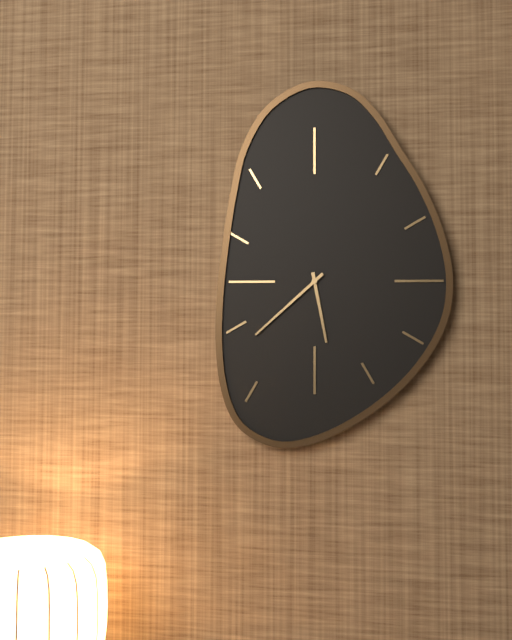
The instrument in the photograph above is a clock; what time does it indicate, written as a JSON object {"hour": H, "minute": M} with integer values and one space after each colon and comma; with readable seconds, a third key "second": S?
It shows {"hour": 5, "minute": 38}
